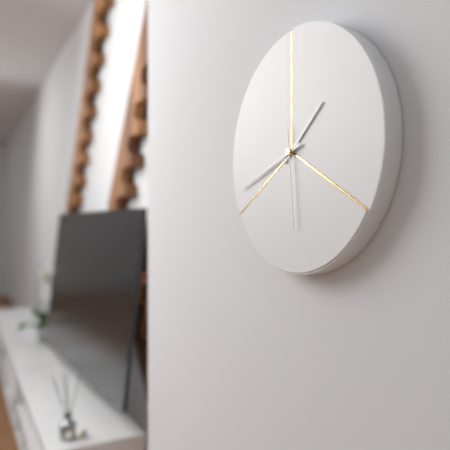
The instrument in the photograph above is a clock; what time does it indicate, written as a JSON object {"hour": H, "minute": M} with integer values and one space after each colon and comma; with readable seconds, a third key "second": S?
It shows {"hour": 1, "minute": 42, "second": 29}
